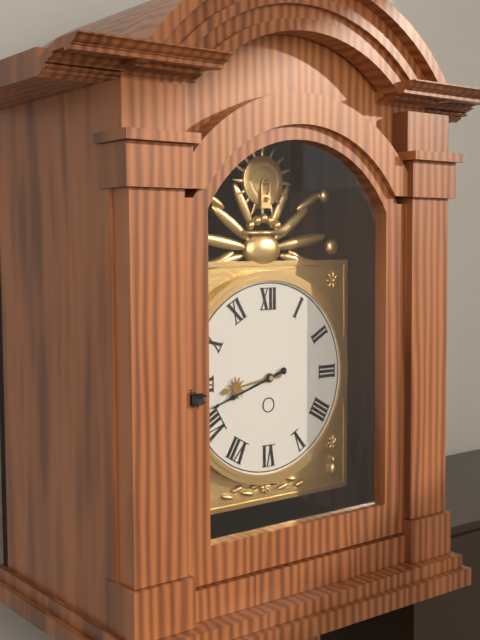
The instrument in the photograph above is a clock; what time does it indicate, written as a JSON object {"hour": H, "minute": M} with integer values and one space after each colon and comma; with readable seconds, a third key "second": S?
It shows {"hour": 8, "minute": 42}
